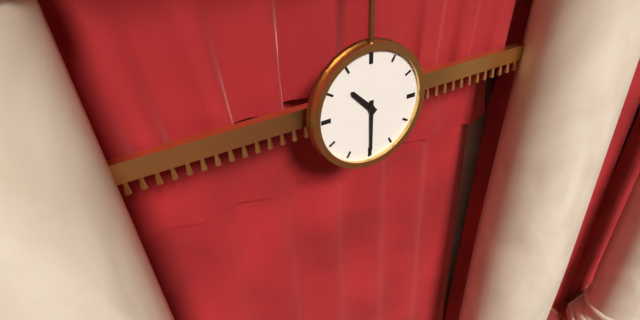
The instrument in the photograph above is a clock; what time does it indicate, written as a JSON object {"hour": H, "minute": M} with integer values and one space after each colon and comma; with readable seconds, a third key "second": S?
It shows {"hour": 10, "minute": 30}
